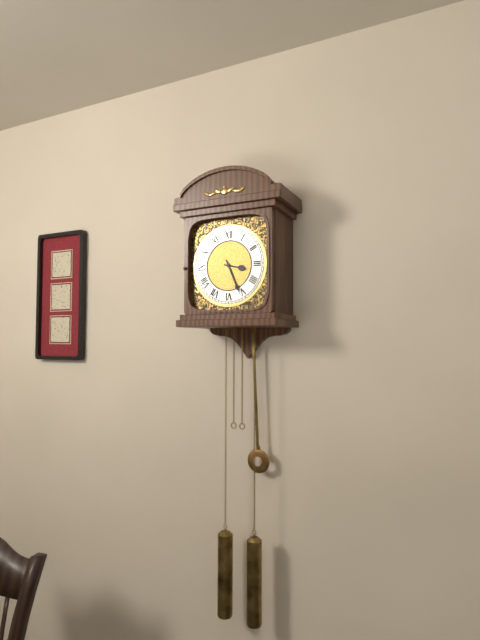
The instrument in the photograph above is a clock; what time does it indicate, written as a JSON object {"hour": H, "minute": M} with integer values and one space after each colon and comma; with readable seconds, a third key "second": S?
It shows {"hour": 3, "minute": 26}
